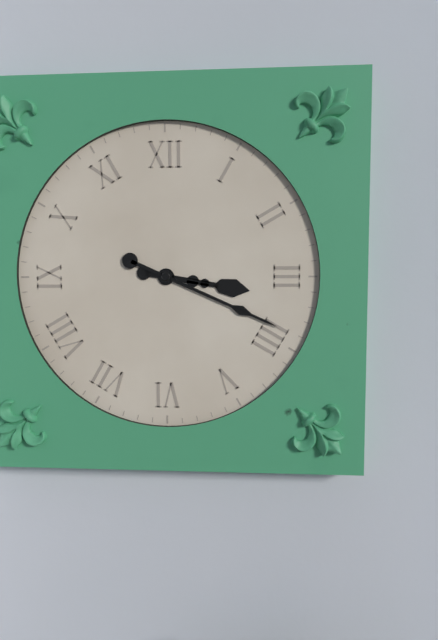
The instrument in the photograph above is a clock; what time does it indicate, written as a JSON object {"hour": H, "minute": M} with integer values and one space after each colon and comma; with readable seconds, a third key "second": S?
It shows {"hour": 3, "minute": 19}
